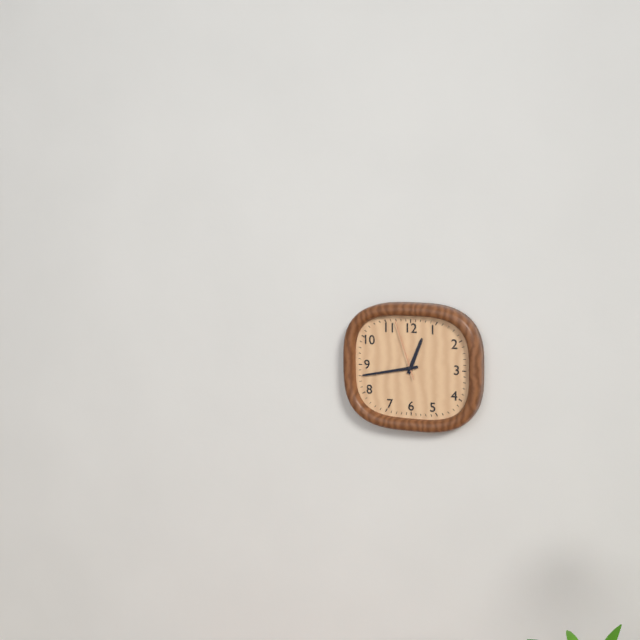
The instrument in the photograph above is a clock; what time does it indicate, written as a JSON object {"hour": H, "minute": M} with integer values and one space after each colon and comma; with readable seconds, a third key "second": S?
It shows {"hour": 12, "minute": 43, "second": 57}
